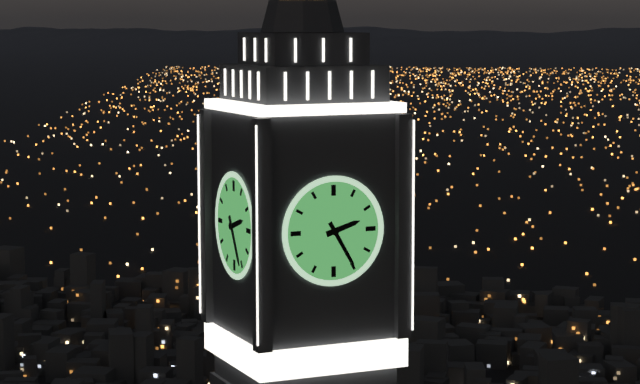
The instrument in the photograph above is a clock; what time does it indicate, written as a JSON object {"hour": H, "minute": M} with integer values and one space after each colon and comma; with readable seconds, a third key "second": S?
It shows {"hour": 2, "minute": 25}
